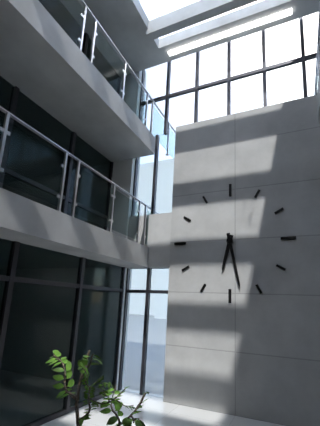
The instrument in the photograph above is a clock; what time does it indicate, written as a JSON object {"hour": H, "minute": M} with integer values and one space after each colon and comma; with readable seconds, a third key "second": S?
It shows {"hour": 6, "minute": 28}
